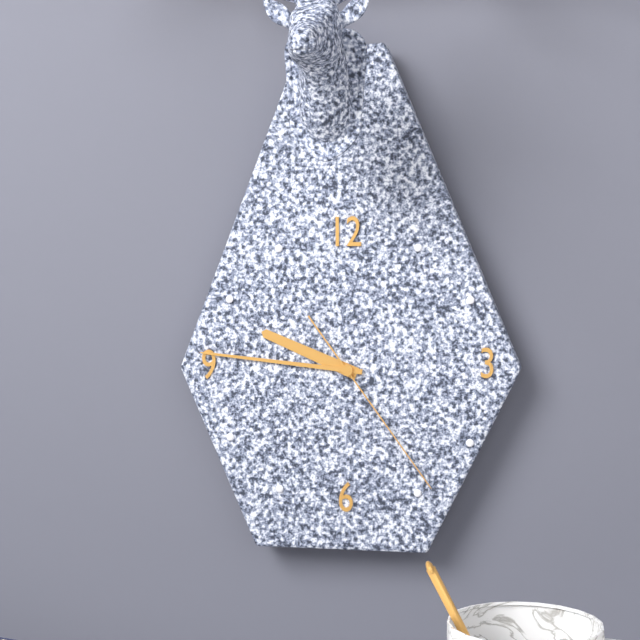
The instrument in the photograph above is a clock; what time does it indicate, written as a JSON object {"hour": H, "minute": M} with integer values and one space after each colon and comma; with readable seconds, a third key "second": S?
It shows {"hour": 9, "minute": 46, "second": 24}
